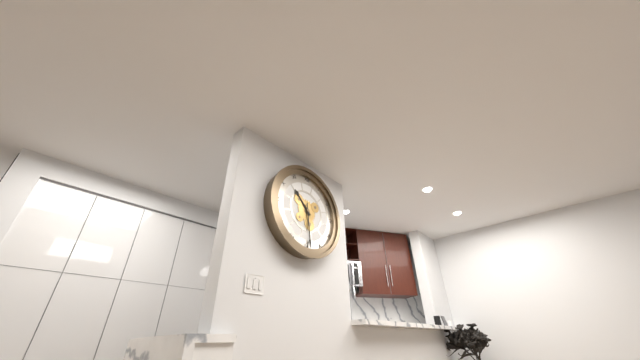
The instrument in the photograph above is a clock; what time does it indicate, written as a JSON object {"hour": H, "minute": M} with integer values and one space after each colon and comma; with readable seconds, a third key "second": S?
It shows {"hour": 10, "minute": 29}
